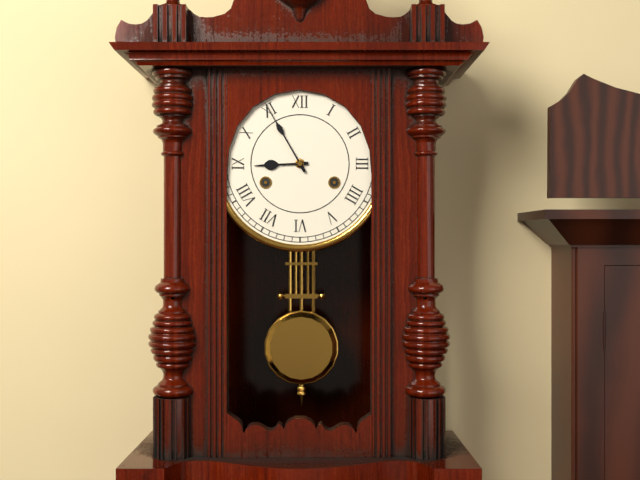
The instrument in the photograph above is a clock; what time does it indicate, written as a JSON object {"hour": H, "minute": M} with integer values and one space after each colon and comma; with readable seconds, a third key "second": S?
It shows {"hour": 8, "minute": 55}
